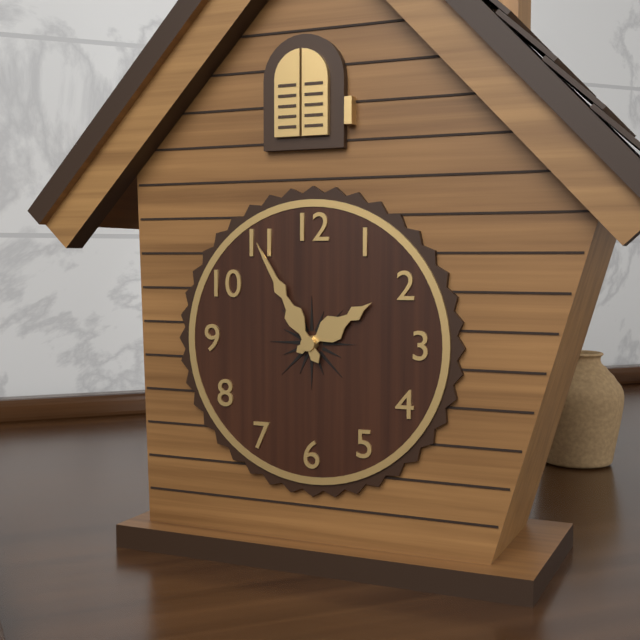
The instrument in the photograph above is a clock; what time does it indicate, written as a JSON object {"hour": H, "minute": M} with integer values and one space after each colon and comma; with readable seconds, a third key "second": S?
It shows {"hour": 1, "minute": 55}
